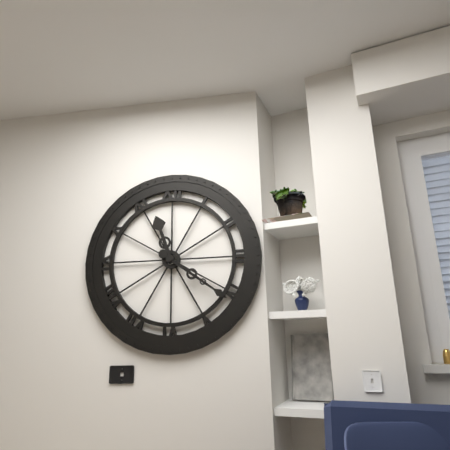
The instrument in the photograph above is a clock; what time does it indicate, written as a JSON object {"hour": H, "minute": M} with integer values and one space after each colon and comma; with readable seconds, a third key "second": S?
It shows {"hour": 11, "minute": 21}
